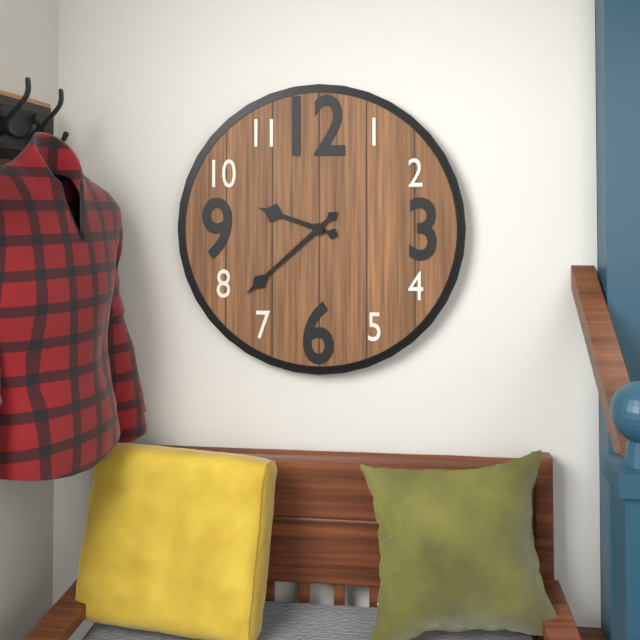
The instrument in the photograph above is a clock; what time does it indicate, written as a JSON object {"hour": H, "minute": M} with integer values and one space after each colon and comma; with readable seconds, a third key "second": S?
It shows {"hour": 9, "minute": 38}
